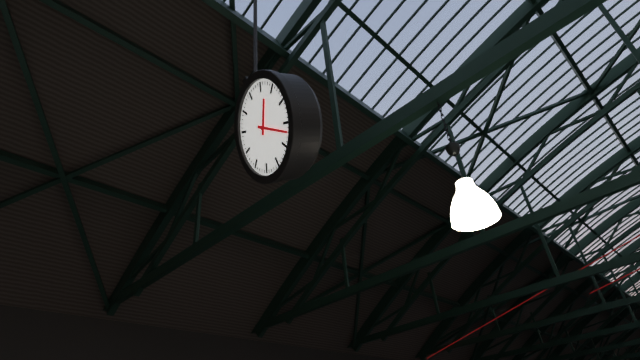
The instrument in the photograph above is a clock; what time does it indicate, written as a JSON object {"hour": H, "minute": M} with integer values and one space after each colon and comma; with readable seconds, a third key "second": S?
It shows {"hour": 1, "minute": 22}
